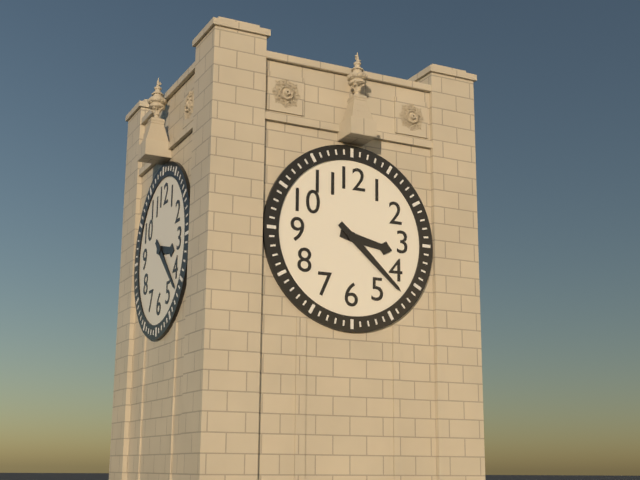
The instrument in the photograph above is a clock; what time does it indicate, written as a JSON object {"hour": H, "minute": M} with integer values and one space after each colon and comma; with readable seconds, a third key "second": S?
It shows {"hour": 3, "minute": 22}
